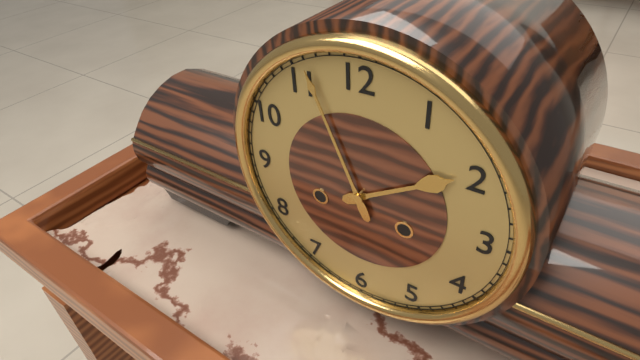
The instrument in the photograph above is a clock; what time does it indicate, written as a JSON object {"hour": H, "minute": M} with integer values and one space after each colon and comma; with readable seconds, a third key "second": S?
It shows {"hour": 1, "minute": 56}
